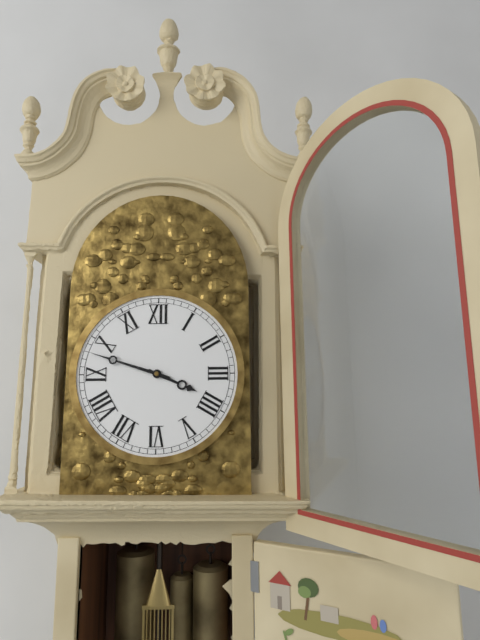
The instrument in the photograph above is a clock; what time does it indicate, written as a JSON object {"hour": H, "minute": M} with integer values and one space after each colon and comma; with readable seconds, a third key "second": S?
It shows {"hour": 3, "minute": 48}
